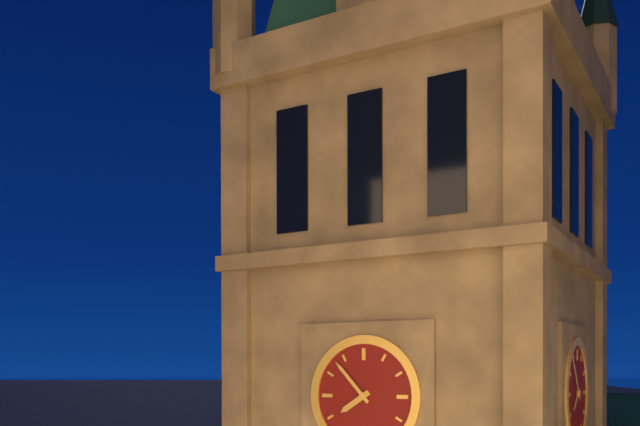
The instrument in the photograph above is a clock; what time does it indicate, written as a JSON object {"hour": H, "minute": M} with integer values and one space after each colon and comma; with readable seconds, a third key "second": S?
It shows {"hour": 7, "minute": 53}
